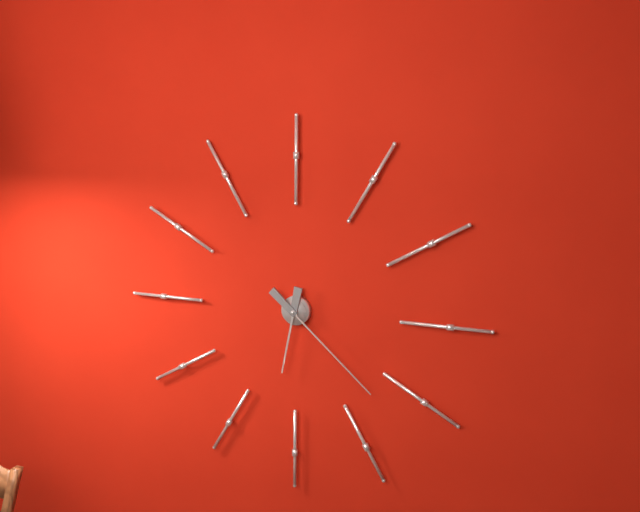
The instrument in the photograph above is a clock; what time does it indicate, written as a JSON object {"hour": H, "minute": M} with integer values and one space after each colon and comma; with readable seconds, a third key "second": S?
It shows {"hour": 6, "minute": 22}
